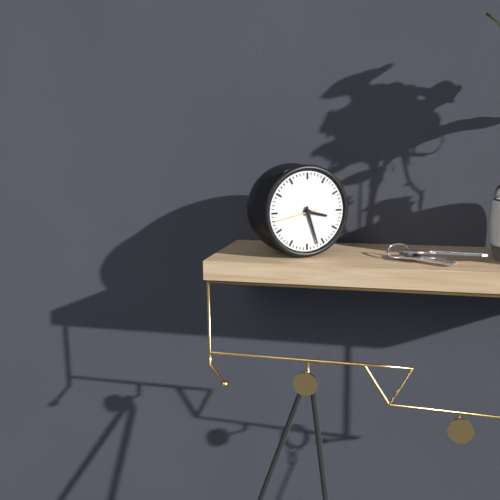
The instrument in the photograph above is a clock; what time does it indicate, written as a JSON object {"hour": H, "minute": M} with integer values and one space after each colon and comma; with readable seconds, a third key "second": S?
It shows {"hour": 3, "minute": 27}
